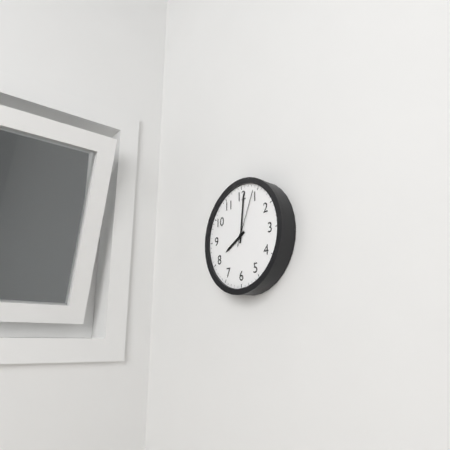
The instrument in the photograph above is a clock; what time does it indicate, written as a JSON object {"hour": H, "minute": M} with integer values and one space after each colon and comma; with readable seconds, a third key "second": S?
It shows {"hour": 8, "minute": 1, "second": 4}
